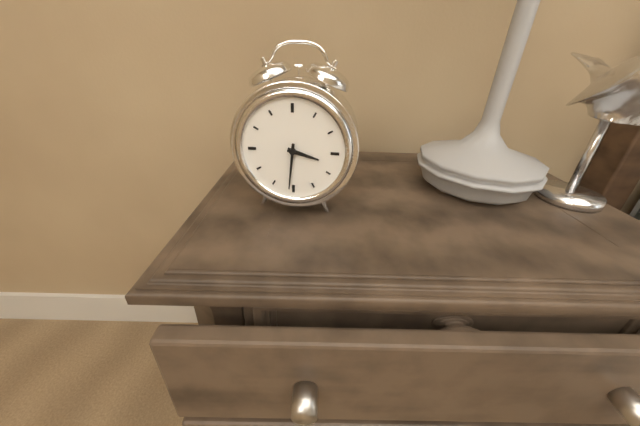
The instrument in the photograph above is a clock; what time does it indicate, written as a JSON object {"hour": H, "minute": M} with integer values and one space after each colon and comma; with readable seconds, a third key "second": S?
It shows {"hour": 3, "minute": 31}
